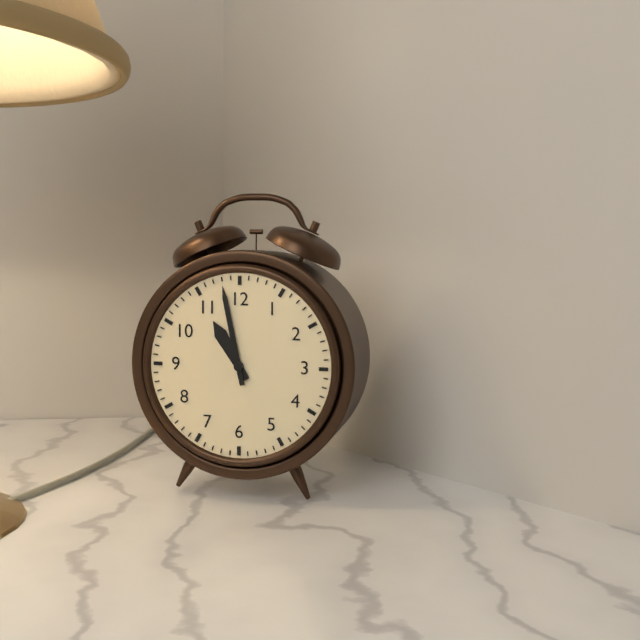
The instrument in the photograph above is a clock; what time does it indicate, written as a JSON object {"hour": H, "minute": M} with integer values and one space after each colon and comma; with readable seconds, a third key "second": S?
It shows {"hour": 10, "minute": 58}
